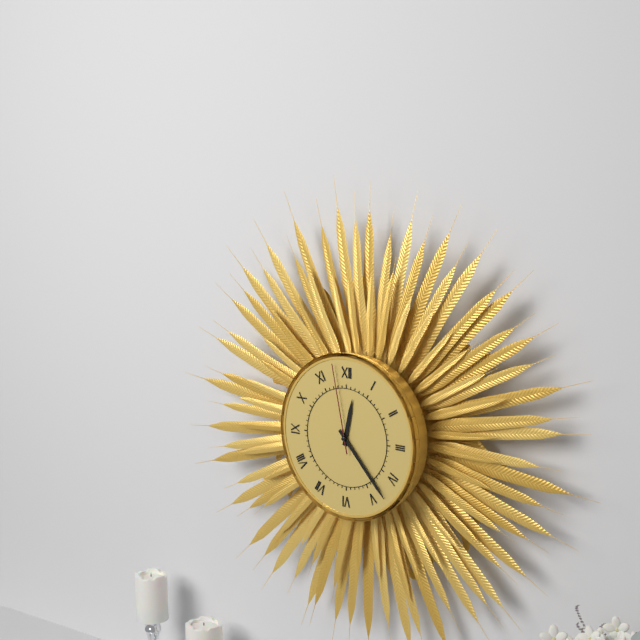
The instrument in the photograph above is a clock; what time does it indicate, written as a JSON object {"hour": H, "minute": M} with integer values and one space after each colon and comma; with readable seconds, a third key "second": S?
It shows {"hour": 12, "minute": 23, "second": 58}
